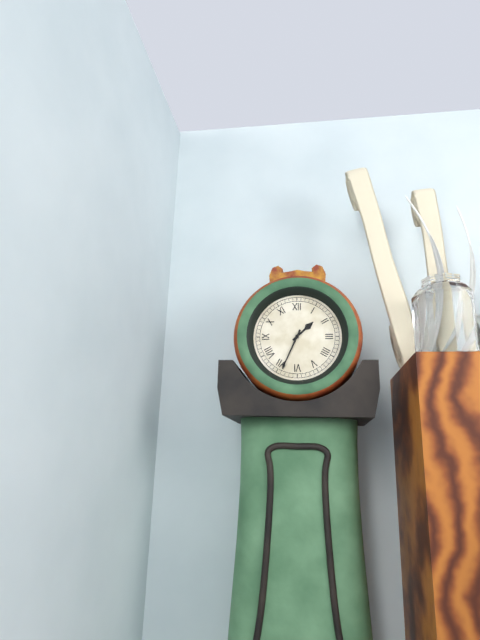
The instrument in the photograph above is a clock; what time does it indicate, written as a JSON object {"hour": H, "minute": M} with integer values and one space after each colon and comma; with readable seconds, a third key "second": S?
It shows {"hour": 1, "minute": 34}
